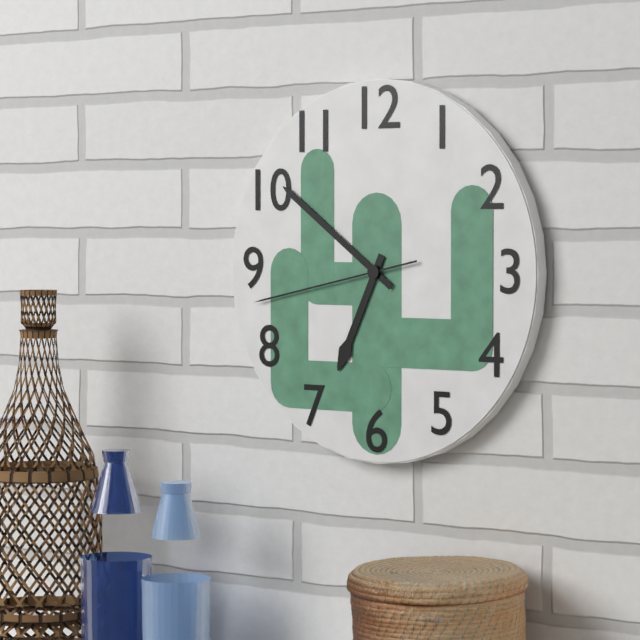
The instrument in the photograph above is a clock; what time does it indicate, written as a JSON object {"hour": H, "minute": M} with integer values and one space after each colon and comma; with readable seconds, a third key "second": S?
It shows {"hour": 6, "minute": 51, "second": 43}
